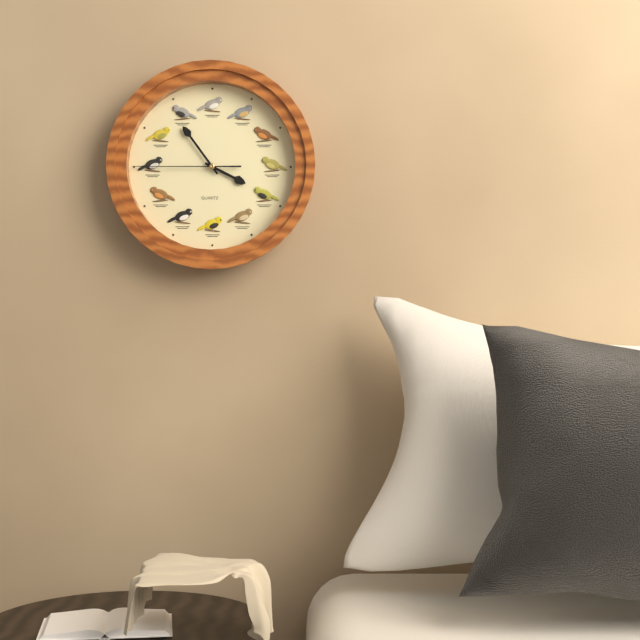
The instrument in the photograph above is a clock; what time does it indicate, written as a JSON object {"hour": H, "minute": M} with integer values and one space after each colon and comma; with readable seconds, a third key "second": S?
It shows {"hour": 3, "minute": 54, "second": 45}
